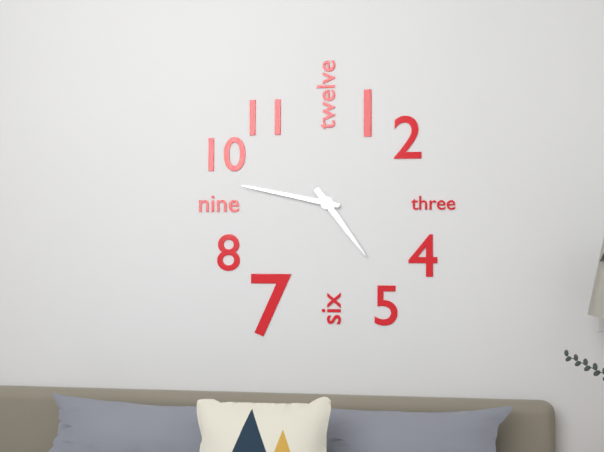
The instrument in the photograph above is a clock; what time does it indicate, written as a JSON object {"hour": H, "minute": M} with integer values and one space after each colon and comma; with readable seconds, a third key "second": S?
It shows {"hour": 4, "minute": 47}
